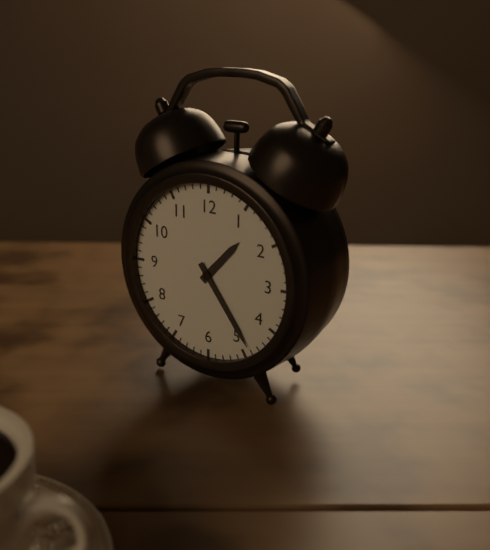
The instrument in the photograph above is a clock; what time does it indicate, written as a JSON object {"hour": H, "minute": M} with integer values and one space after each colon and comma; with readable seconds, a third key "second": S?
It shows {"hour": 1, "minute": 24}
